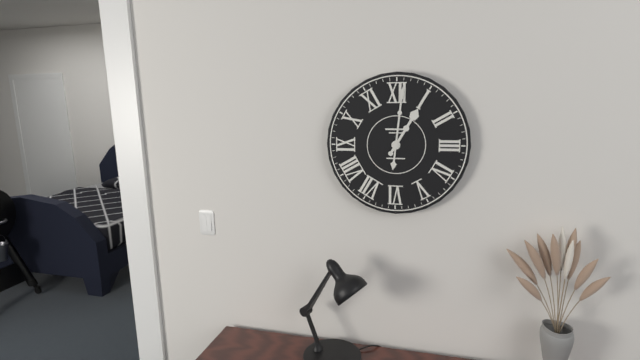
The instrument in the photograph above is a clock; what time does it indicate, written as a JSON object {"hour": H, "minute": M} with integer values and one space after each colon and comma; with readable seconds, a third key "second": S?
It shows {"hour": 1, "minute": 1}
